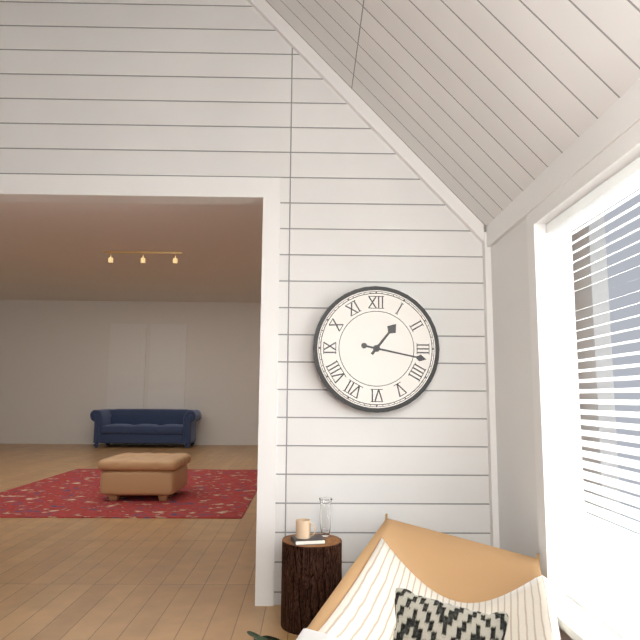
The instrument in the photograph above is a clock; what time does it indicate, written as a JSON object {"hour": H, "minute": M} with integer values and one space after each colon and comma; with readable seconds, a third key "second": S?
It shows {"hour": 1, "minute": 17}
